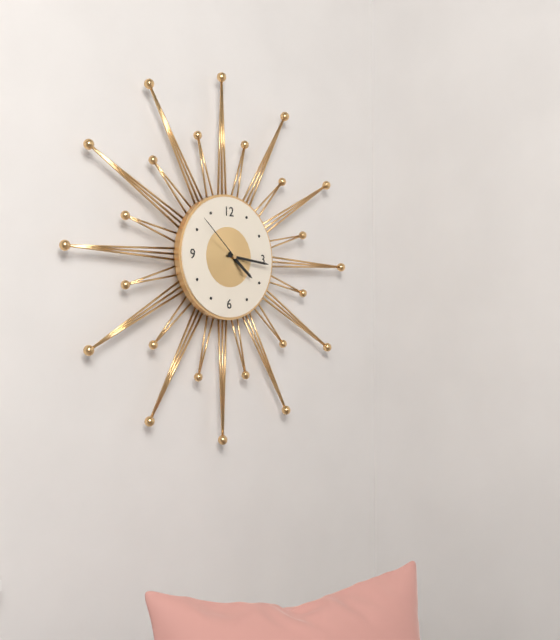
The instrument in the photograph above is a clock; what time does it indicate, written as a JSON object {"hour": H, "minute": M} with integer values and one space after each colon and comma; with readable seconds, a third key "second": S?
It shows {"hour": 4, "minute": 16, "second": 52}
